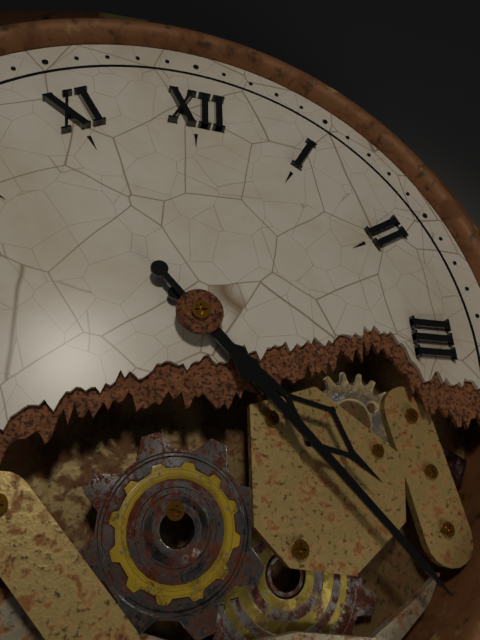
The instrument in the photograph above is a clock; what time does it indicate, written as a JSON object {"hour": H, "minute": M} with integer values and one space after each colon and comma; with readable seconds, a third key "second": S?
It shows {"hour": 4, "minute": 23}
